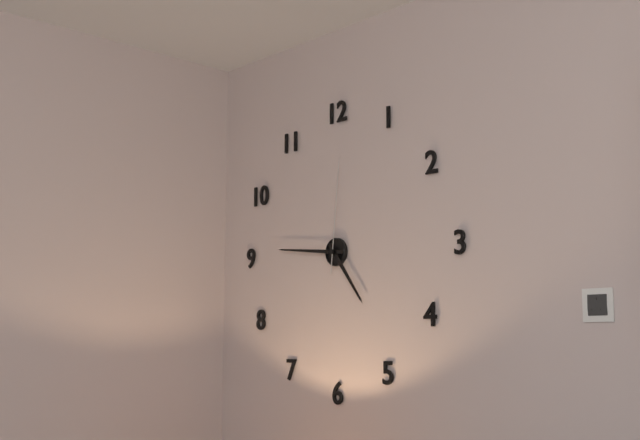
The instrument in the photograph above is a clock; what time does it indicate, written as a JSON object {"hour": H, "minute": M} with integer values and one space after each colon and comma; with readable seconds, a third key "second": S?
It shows {"hour": 4, "minute": 46, "second": 1}
